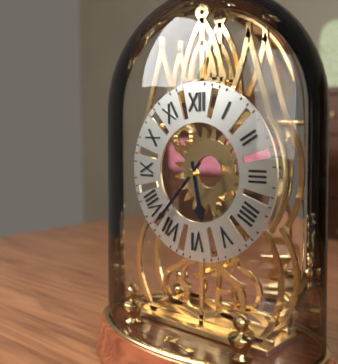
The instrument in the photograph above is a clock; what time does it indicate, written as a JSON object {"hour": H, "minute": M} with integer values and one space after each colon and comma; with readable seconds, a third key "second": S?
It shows {"hour": 5, "minute": 37}
